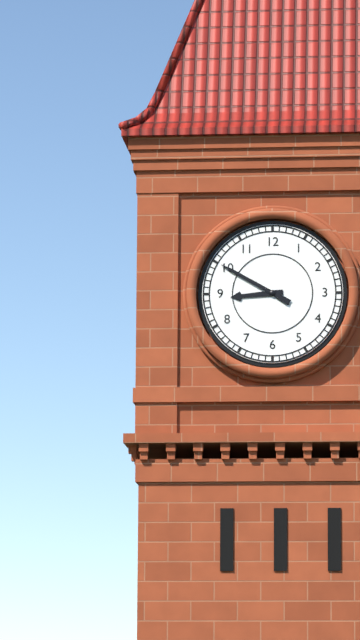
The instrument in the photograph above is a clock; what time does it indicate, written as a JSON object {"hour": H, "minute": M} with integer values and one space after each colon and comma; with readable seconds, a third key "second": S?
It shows {"hour": 8, "minute": 50}
